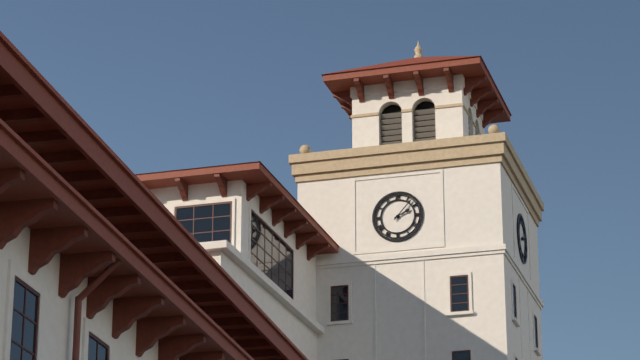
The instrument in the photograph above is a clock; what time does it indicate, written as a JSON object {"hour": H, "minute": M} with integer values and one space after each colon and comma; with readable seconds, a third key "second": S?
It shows {"hour": 2, "minute": 7}
